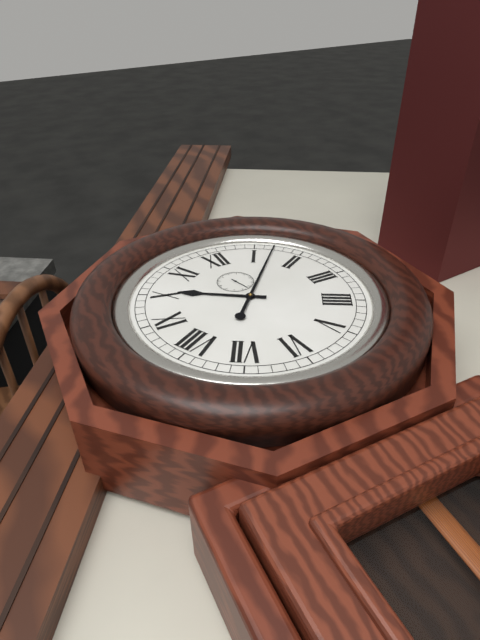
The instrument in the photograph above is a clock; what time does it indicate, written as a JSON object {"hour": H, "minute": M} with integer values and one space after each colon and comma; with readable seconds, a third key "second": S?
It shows {"hour": 10, "minute": 7}
